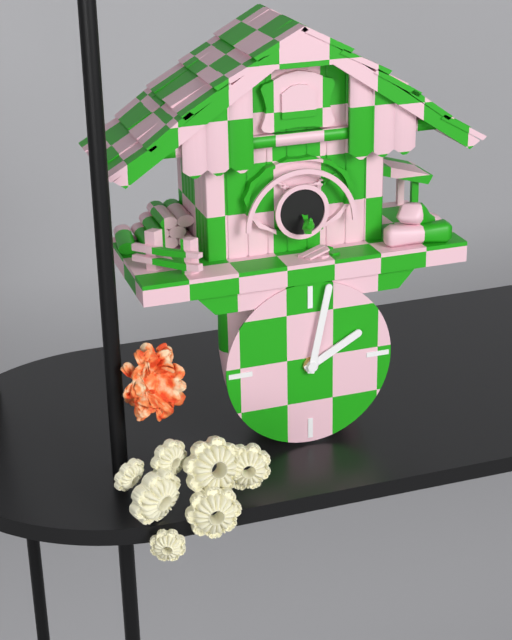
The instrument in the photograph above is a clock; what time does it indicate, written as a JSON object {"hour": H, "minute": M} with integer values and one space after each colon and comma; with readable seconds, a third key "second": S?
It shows {"hour": 2, "minute": 2}
